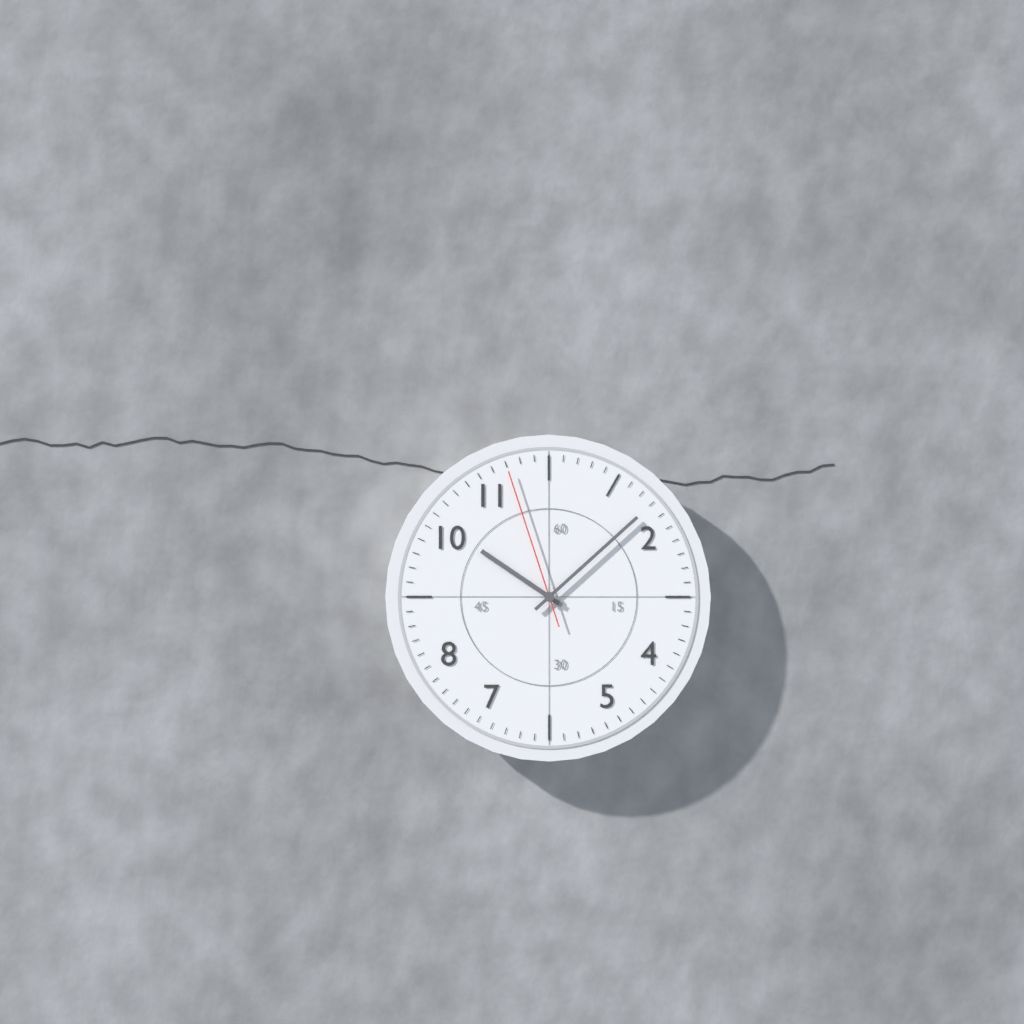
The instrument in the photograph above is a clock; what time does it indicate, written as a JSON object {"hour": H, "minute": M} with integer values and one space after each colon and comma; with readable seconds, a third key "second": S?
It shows {"hour": 10, "minute": 8, "second": 57}
